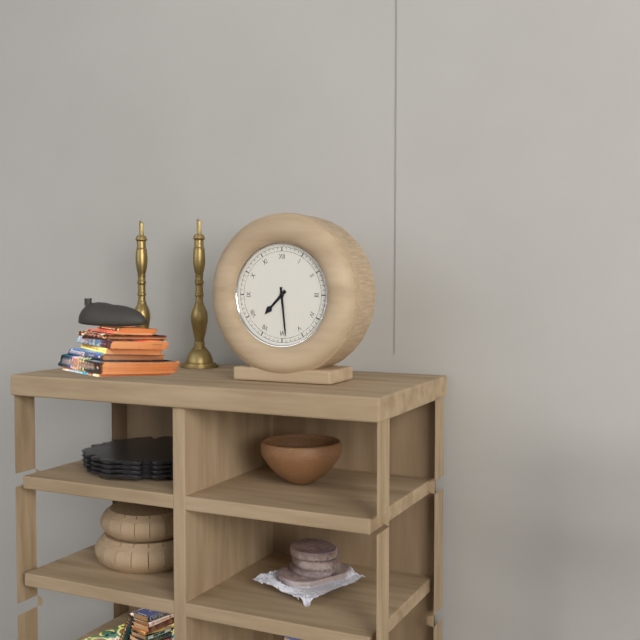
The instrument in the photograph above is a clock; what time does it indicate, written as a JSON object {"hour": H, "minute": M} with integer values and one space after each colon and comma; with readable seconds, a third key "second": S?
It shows {"hour": 7, "minute": 29}
